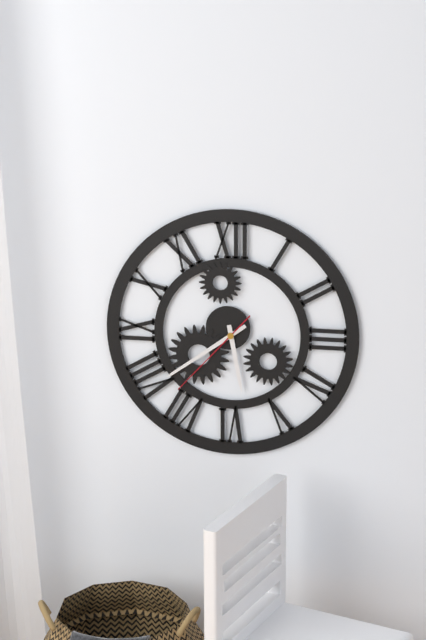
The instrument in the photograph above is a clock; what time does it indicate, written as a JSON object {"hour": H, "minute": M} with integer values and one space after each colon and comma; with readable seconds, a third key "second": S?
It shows {"hour": 5, "minute": 39, "second": 37}
